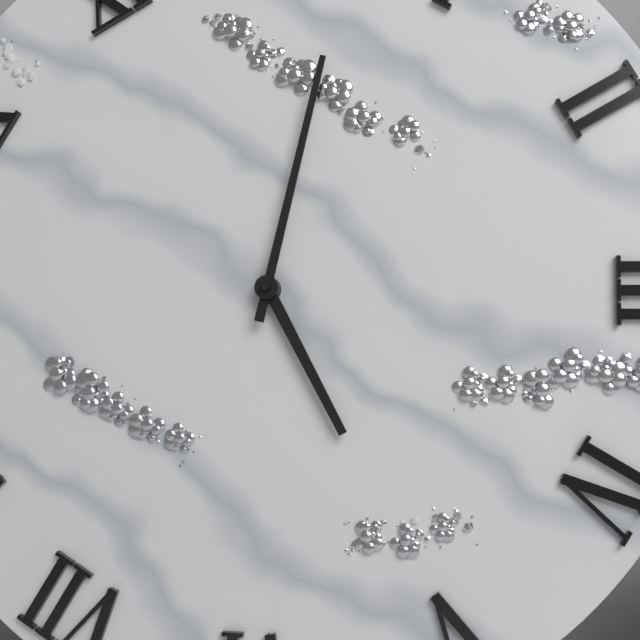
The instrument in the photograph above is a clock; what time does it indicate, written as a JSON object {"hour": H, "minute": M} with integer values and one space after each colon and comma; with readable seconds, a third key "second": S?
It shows {"hour": 5, "minute": 2}
